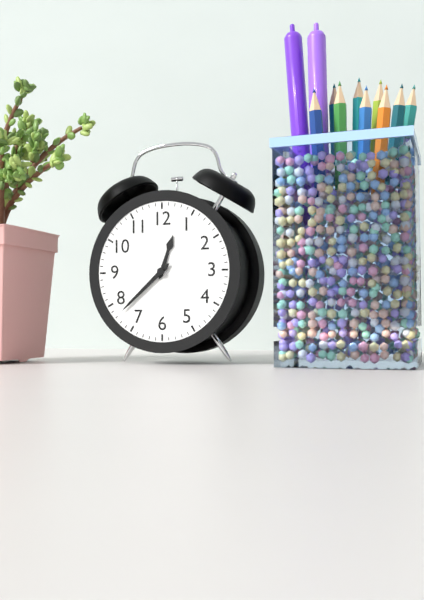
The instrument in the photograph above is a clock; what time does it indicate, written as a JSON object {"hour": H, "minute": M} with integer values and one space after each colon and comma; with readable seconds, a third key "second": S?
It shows {"hour": 12, "minute": 38}
